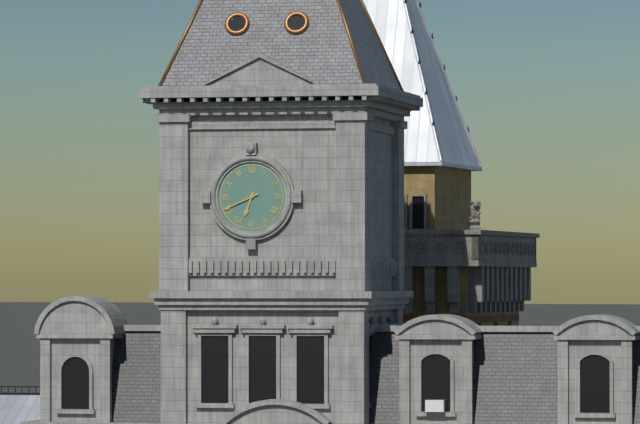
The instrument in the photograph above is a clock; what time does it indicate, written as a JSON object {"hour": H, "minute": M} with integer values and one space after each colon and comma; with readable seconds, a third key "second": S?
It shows {"hour": 6, "minute": 41}
